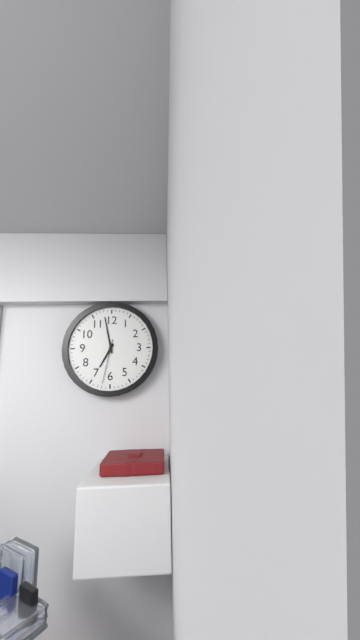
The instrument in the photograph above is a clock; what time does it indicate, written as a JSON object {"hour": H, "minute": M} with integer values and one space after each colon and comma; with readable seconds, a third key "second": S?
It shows {"hour": 6, "minute": 58}
